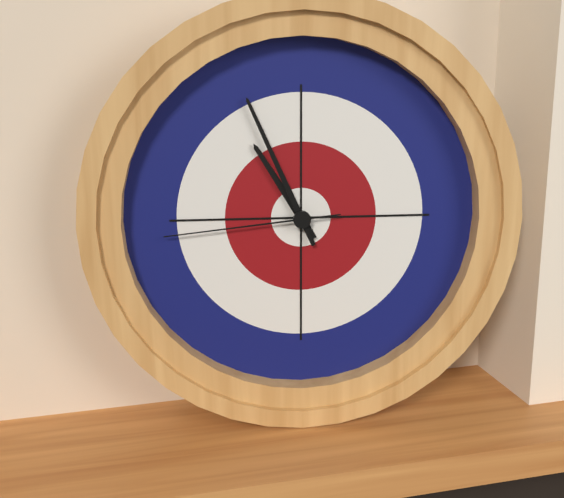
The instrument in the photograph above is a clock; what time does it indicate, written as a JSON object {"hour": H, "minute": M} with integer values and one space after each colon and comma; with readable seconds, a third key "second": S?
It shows {"hour": 10, "minute": 56, "second": 44}
